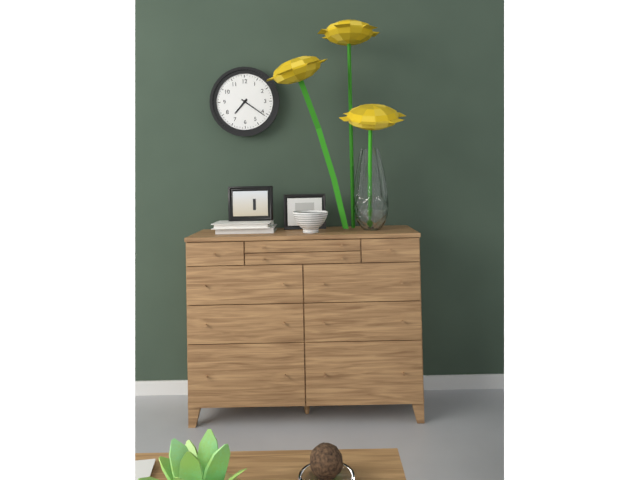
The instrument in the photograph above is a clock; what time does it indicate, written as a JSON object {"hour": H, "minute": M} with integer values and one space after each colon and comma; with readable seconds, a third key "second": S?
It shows {"hour": 7, "minute": 21}
